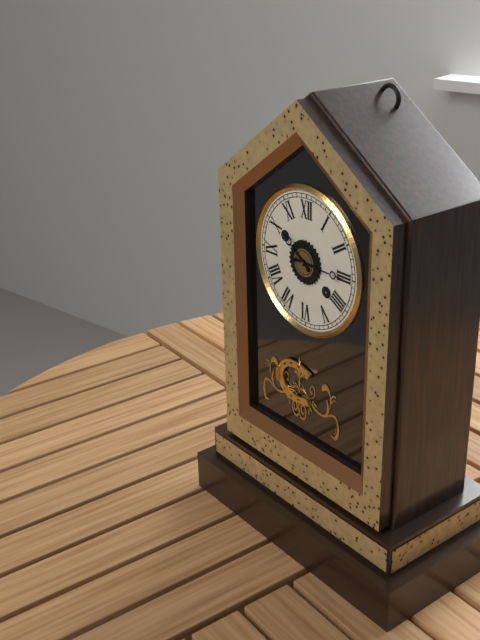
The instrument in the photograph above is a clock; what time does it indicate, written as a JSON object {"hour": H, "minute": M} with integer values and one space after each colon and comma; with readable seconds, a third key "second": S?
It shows {"hour": 10, "minute": 15}
